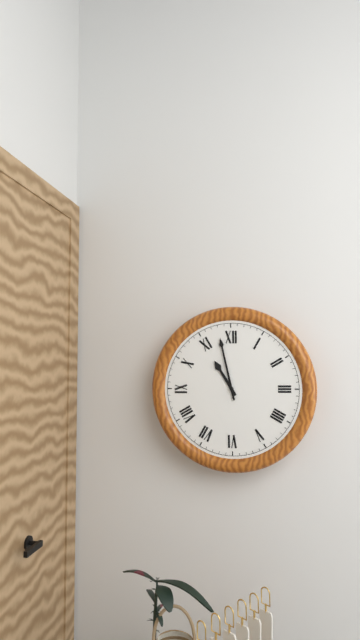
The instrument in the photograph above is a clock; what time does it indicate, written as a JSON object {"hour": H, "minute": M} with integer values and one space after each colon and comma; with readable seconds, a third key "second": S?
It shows {"hour": 10, "minute": 58}
